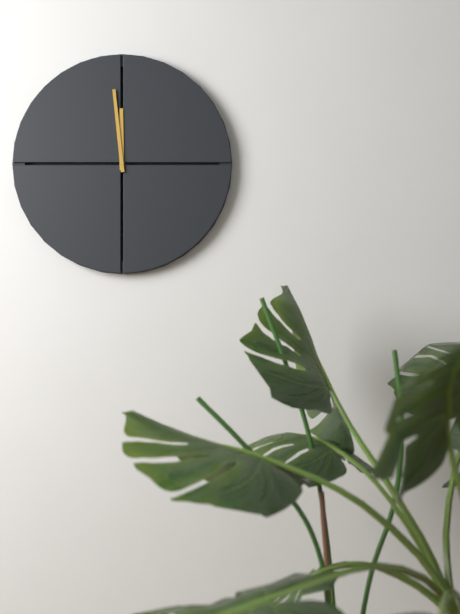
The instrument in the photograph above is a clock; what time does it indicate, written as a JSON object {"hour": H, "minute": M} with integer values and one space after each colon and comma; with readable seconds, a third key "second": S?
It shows {"hour": 11, "minute": 59}
